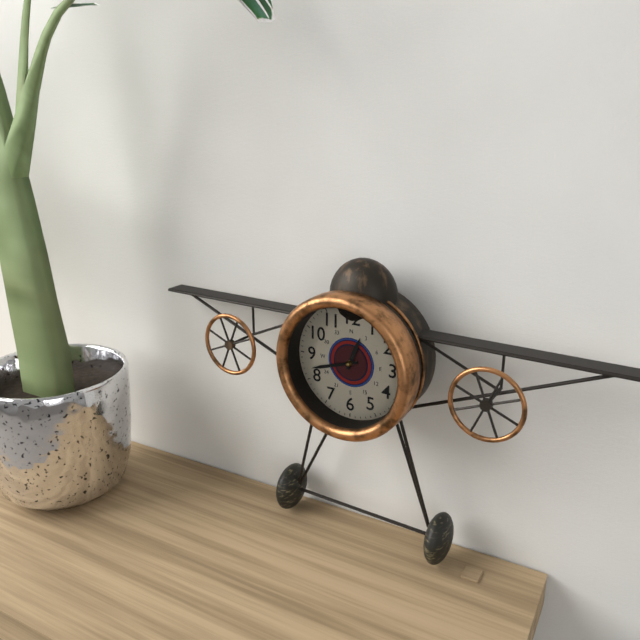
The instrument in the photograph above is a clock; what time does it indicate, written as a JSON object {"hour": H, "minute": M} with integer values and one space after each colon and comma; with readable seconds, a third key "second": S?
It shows {"hour": 12, "minute": 42}
